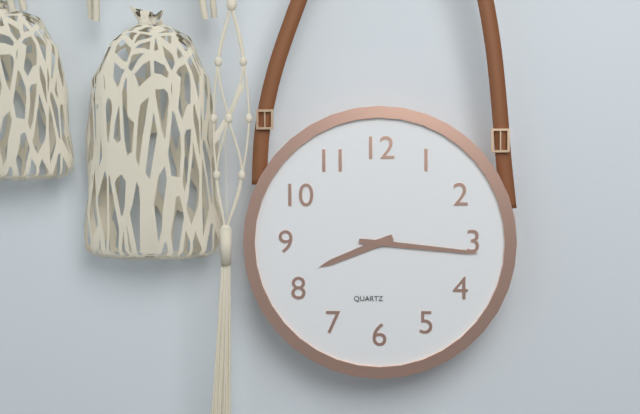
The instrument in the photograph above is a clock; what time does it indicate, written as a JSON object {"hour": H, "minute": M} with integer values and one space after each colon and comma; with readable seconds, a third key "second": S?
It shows {"hour": 8, "minute": 16}
